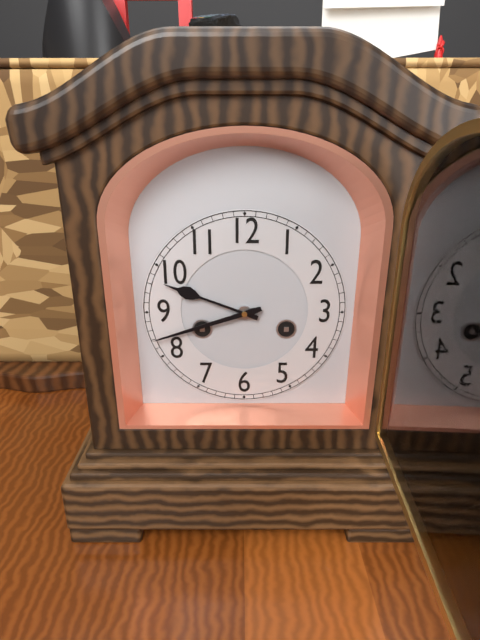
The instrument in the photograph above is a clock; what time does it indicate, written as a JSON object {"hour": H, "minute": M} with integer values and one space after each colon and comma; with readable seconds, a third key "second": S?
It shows {"hour": 9, "minute": 42}
